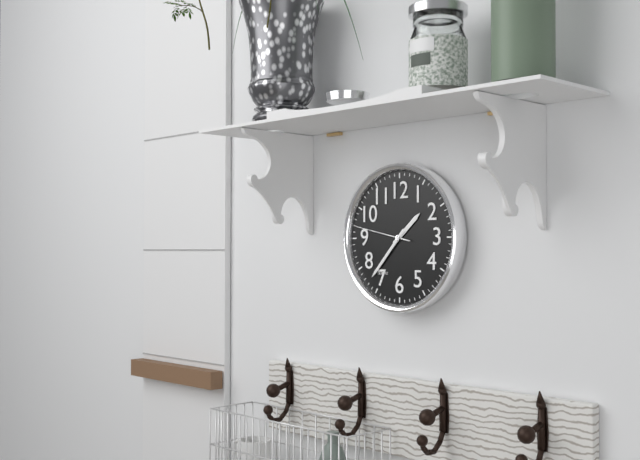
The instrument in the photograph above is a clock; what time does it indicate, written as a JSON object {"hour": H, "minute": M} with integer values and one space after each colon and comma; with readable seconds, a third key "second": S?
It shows {"hour": 1, "minute": 37, "second": 47}
